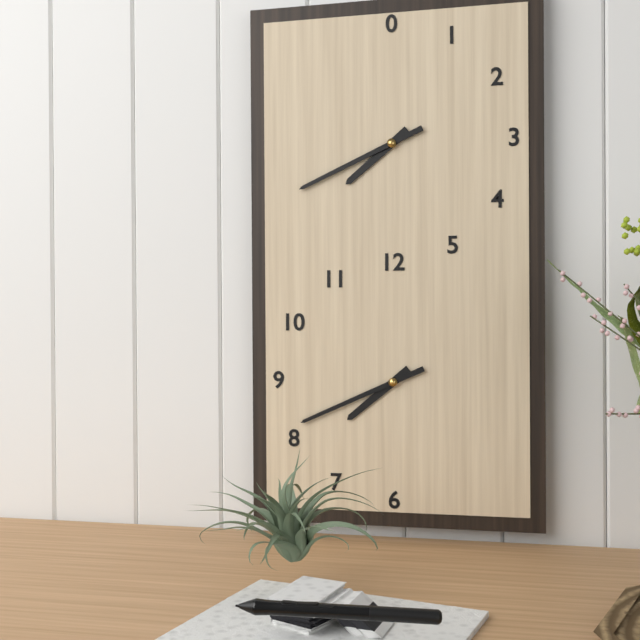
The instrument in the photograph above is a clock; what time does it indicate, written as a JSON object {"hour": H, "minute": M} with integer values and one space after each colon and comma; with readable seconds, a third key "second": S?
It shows {"hour": 7, "minute": 41}
